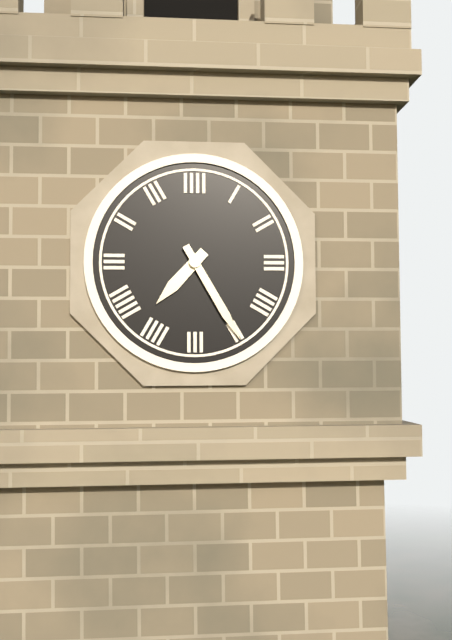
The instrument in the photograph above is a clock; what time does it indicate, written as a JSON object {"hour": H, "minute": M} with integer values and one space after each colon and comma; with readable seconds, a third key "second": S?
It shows {"hour": 7, "minute": 25}
